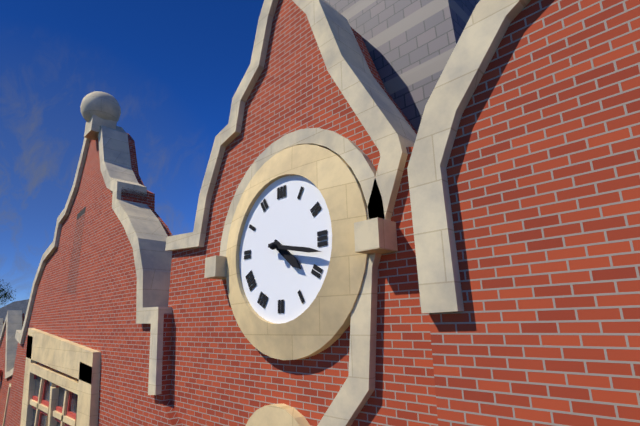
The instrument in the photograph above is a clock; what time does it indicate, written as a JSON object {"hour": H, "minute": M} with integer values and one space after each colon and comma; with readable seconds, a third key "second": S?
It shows {"hour": 4, "minute": 17}
